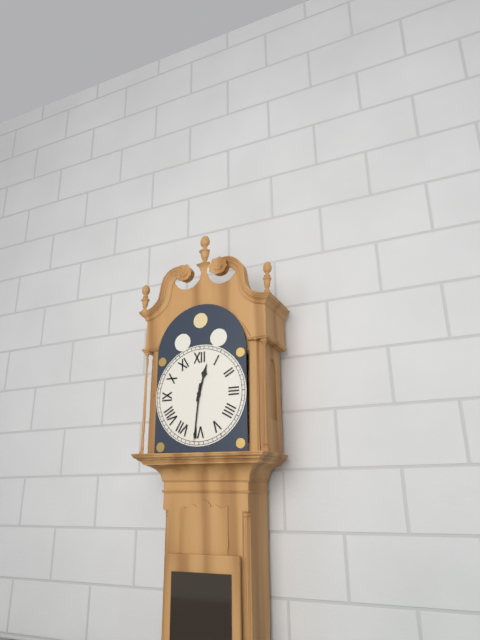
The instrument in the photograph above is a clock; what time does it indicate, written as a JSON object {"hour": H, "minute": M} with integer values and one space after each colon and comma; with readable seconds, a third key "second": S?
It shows {"hour": 12, "minute": 31}
